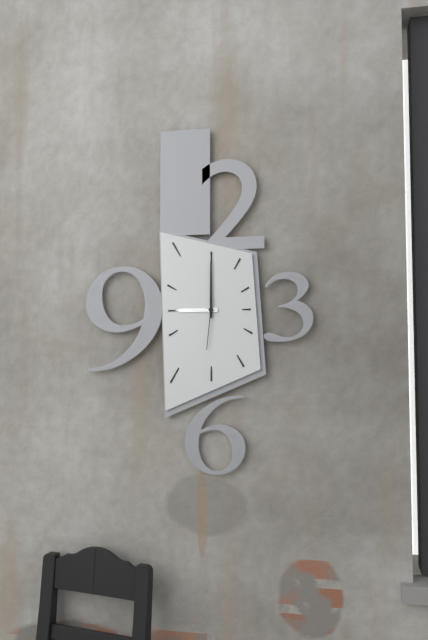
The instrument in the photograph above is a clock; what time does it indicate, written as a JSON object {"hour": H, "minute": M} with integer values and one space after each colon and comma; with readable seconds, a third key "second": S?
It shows {"hour": 9, "minute": 0, "second": 31}
